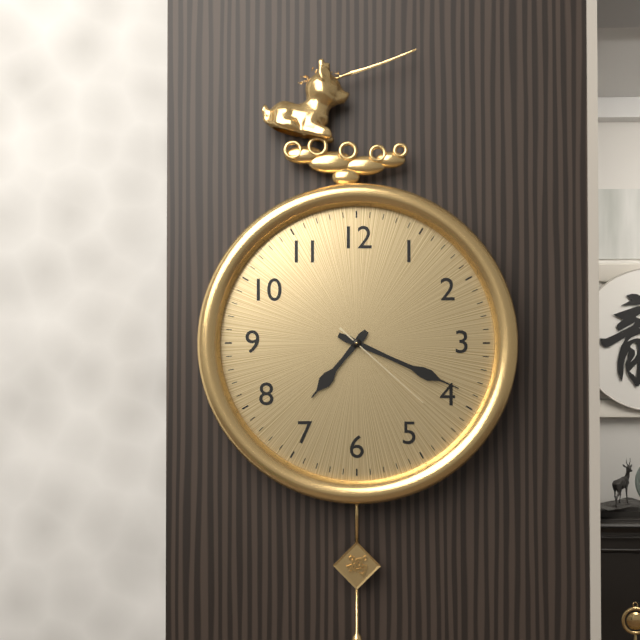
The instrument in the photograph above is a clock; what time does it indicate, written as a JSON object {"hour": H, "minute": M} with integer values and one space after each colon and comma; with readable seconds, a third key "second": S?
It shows {"hour": 7, "minute": 19, "second": 22}
